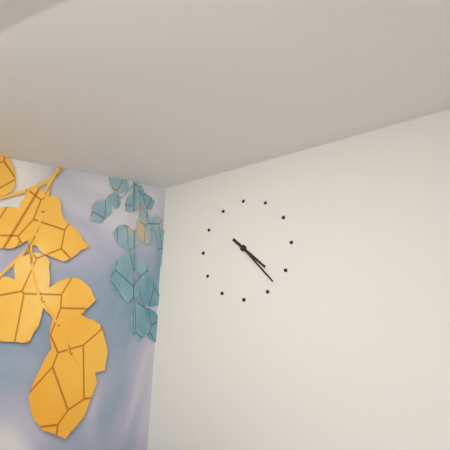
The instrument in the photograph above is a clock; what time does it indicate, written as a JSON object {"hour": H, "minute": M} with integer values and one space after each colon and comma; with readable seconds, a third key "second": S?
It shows {"hour": 4, "minute": 23}
